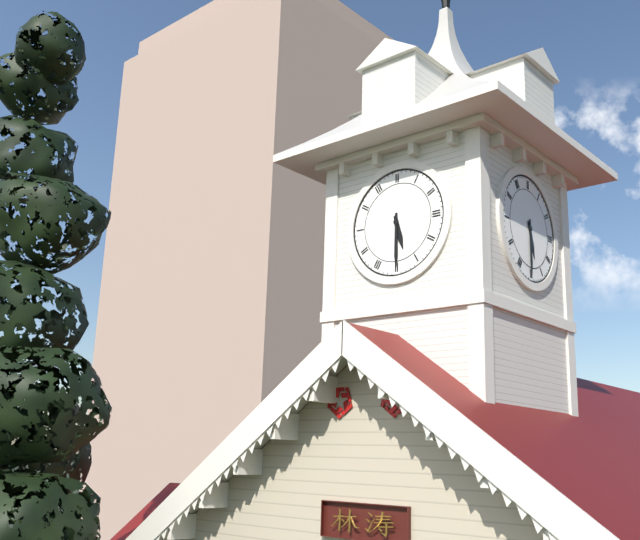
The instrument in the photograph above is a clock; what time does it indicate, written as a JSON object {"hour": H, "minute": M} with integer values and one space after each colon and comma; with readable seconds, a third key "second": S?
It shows {"hour": 5, "minute": 30}
